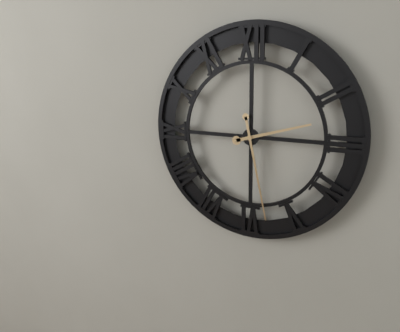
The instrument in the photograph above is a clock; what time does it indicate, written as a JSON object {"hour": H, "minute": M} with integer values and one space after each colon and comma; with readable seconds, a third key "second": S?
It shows {"hour": 2, "minute": 28}
